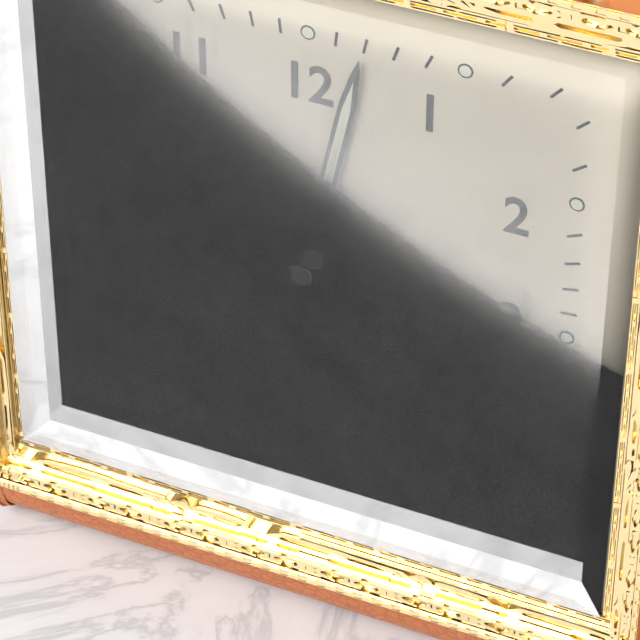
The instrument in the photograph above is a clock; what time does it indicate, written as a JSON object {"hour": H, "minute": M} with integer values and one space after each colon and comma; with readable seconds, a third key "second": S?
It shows {"hour": 5, "minute": 2}
